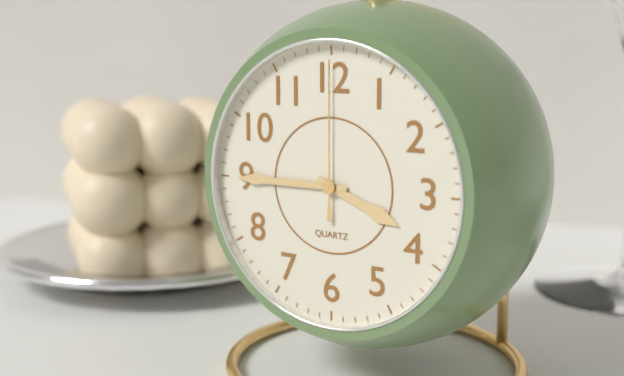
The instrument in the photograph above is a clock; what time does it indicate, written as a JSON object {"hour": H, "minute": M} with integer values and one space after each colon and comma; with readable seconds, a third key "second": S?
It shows {"hour": 3, "minute": 45, "second": 0}
